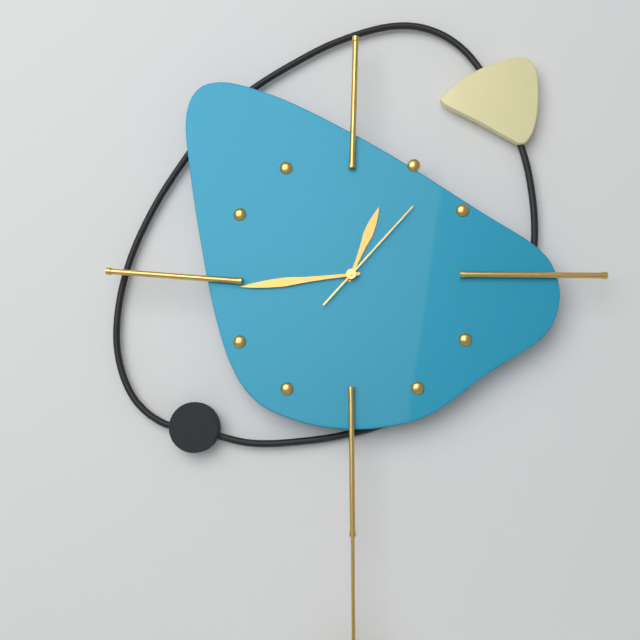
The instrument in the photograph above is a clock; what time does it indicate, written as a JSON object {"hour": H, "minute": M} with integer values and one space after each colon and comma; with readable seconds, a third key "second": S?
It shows {"hour": 12, "minute": 44, "second": 7}
